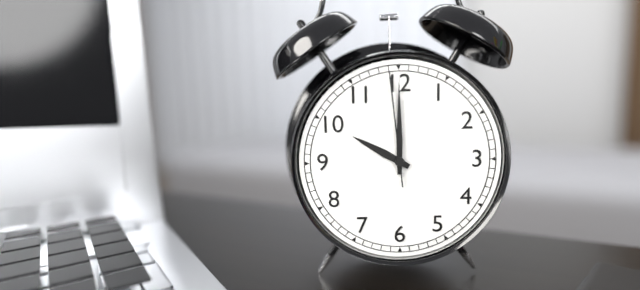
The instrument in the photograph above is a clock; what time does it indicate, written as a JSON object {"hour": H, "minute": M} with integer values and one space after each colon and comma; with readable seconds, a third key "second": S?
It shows {"hour": 10, "minute": 0, "second": 59}
